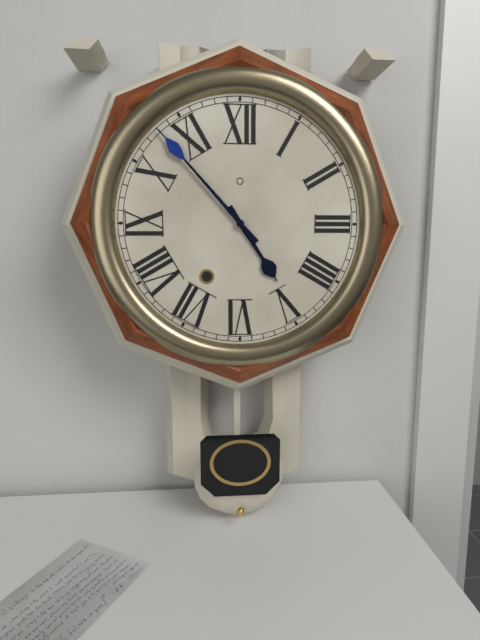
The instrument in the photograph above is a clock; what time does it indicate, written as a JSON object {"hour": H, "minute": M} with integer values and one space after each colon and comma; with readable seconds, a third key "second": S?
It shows {"hour": 4, "minute": 53}
